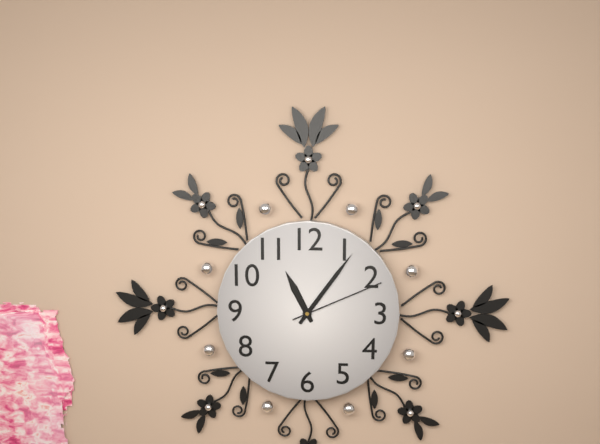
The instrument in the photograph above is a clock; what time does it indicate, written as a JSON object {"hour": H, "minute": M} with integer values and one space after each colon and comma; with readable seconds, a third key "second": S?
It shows {"hour": 11, "minute": 6, "second": 11}
